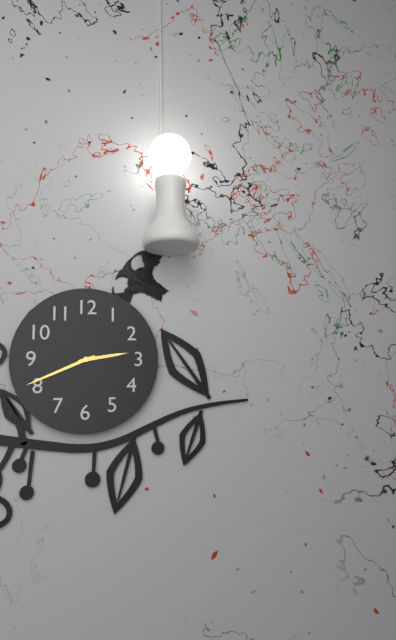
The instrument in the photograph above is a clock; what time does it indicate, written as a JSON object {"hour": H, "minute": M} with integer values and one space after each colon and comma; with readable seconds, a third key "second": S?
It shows {"hour": 2, "minute": 41}
